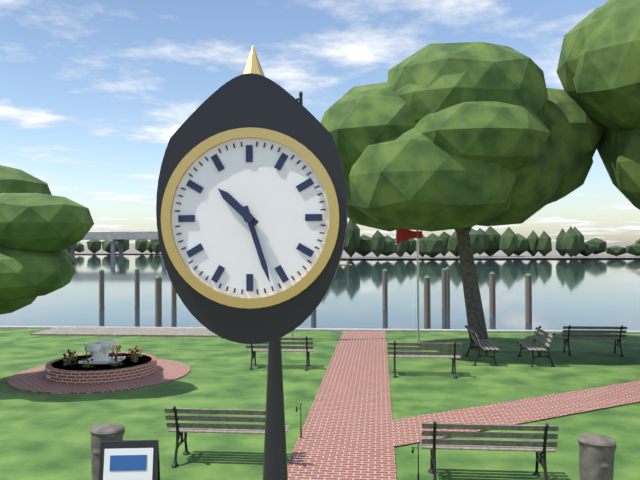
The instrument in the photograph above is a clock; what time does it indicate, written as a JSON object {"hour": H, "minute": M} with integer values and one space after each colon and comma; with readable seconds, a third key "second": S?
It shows {"hour": 10, "minute": 27}
